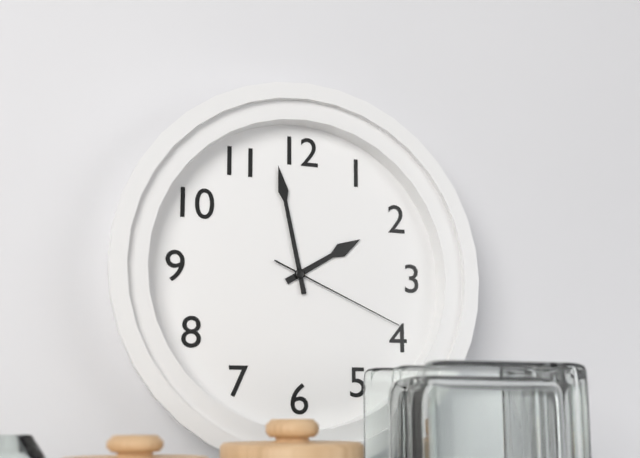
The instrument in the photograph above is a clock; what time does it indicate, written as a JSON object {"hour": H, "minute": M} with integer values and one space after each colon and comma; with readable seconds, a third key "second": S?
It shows {"hour": 1, "minute": 58, "second": 19}
